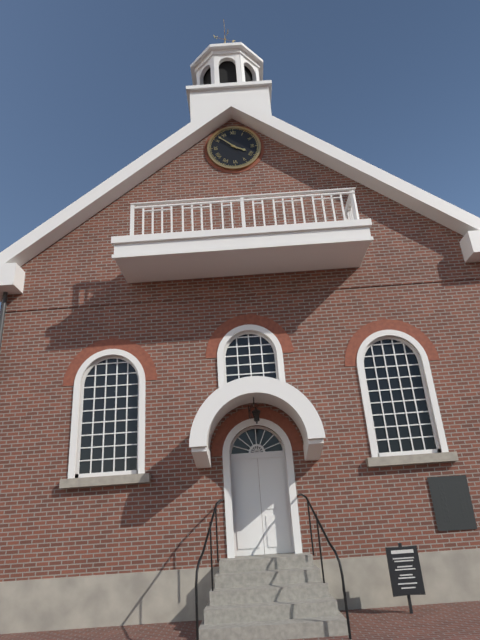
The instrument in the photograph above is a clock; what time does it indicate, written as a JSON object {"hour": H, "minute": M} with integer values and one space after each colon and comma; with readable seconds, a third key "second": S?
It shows {"hour": 3, "minute": 52}
